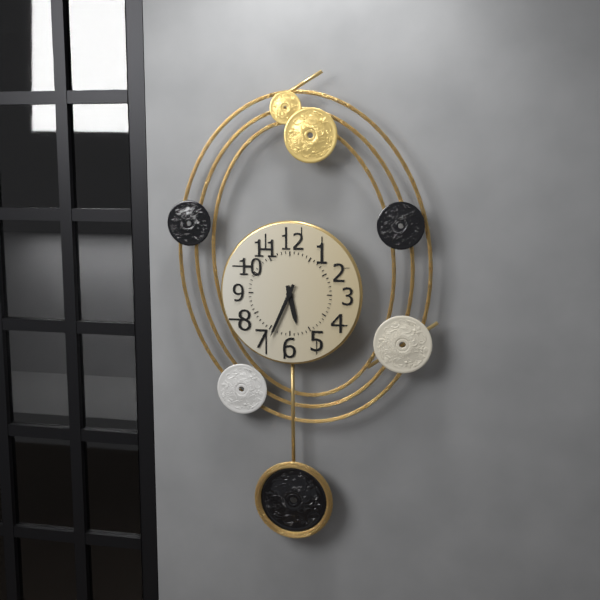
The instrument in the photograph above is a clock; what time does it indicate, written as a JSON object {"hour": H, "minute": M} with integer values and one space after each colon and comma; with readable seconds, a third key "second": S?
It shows {"hour": 5, "minute": 34}
